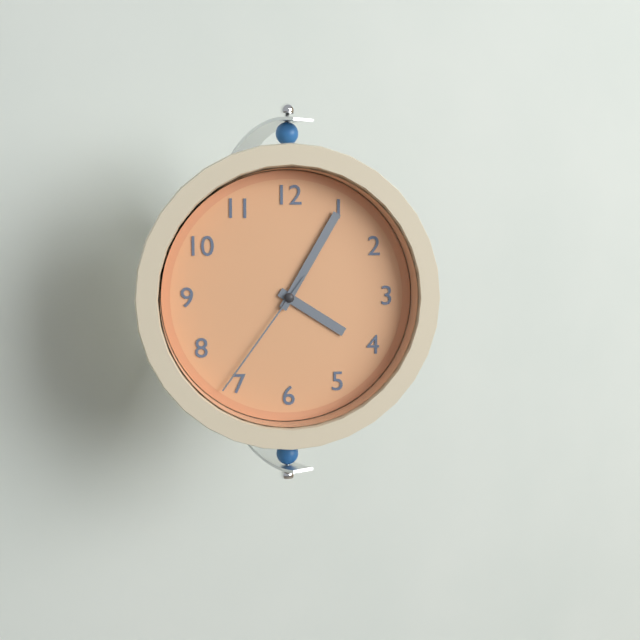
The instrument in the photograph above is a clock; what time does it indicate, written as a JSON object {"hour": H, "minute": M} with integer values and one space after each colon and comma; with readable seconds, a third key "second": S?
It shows {"hour": 4, "minute": 5, "second": 36}
